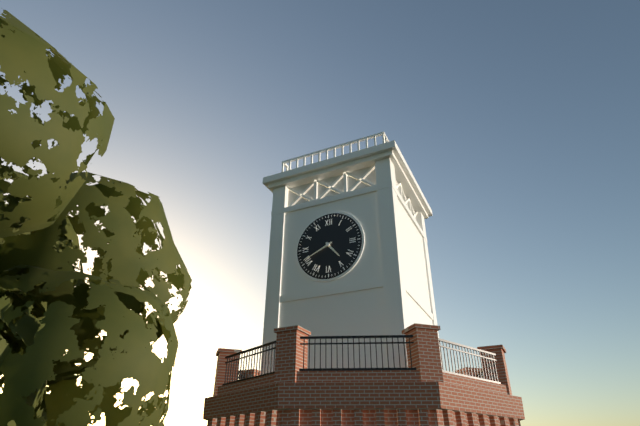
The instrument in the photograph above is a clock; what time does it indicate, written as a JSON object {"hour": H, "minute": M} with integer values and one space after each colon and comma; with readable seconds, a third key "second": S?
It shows {"hour": 4, "minute": 41}
